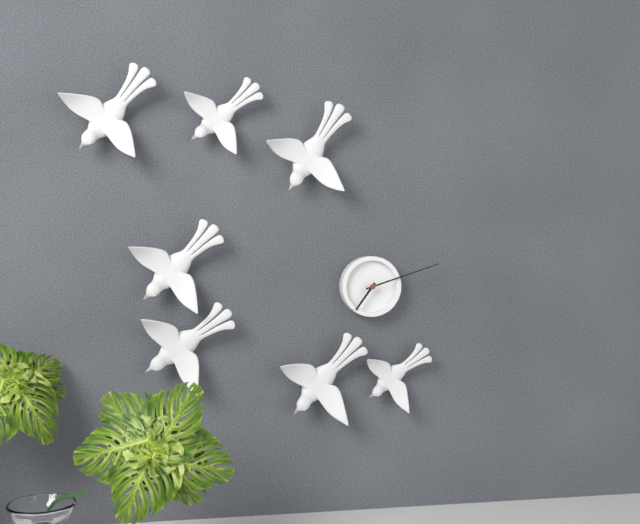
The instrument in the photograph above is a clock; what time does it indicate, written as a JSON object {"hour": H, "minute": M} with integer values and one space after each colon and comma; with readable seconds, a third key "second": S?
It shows {"hour": 7, "minute": 12}
